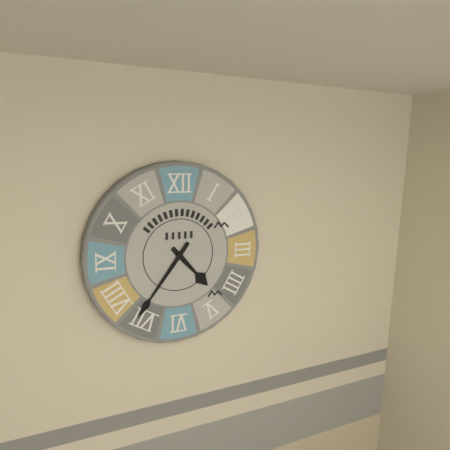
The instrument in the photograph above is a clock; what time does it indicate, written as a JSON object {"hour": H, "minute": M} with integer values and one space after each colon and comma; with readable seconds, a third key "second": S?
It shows {"hour": 4, "minute": 36}
